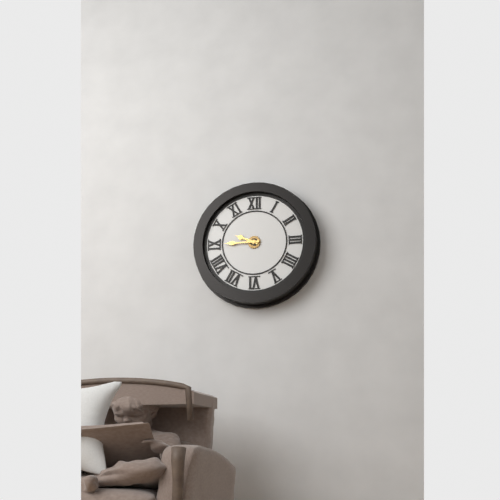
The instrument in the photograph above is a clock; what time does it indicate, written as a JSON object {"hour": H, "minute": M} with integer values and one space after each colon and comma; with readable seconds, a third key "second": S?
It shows {"hour": 9, "minute": 45}
